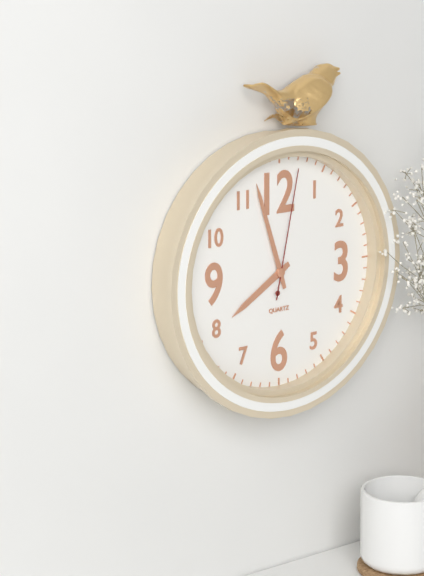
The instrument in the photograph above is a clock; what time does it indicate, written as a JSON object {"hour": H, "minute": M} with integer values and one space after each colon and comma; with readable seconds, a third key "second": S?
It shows {"hour": 7, "minute": 57, "second": 2}
